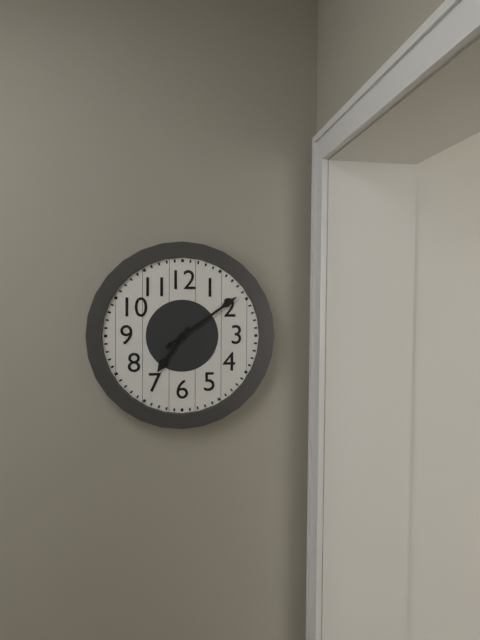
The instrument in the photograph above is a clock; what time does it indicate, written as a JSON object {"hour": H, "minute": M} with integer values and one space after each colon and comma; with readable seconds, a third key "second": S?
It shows {"hour": 7, "minute": 9}
